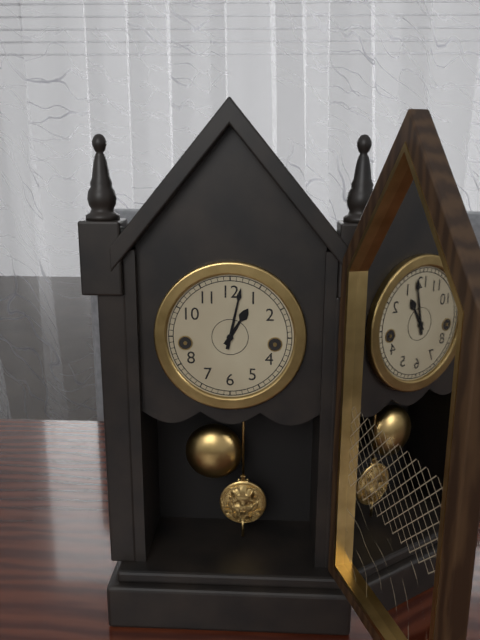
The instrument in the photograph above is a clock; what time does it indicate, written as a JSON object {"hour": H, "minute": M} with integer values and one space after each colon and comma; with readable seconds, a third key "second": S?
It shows {"hour": 1, "minute": 2}
